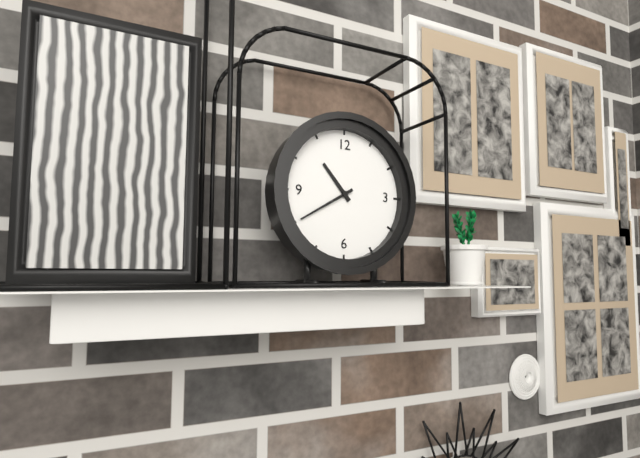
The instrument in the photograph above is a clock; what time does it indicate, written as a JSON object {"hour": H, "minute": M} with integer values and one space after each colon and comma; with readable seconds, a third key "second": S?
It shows {"hour": 10, "minute": 40}
